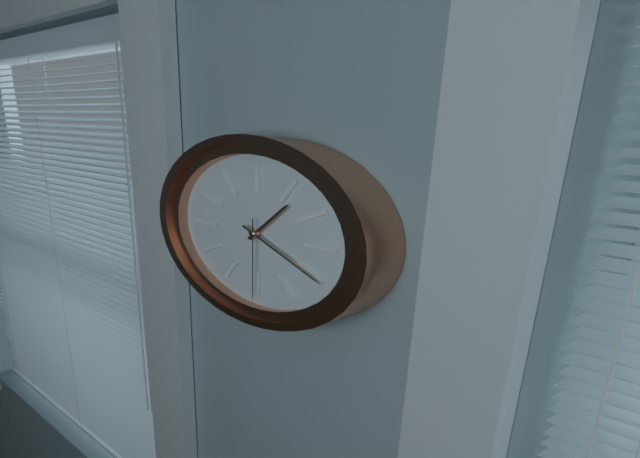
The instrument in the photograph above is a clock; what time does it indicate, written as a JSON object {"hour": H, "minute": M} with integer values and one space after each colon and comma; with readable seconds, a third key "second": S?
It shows {"hour": 1, "minute": 20, "second": 30}
